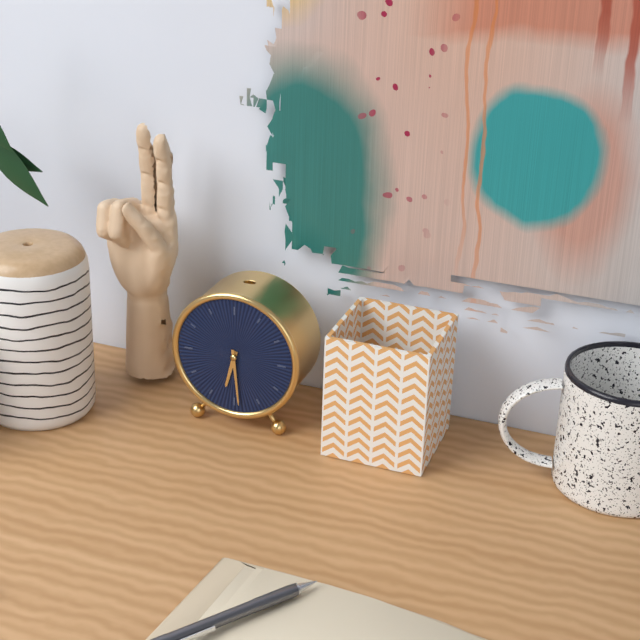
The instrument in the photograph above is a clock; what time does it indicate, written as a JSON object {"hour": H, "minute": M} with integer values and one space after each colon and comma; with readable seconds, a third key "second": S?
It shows {"hour": 6, "minute": 29}
